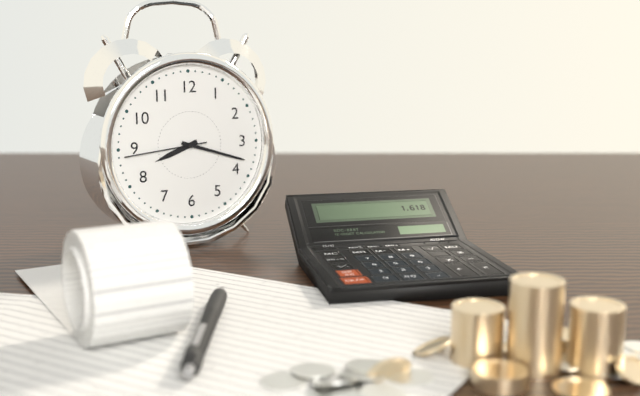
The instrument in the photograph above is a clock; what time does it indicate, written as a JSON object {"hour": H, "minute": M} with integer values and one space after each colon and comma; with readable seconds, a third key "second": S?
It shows {"hour": 8, "minute": 18, "second": 44}
